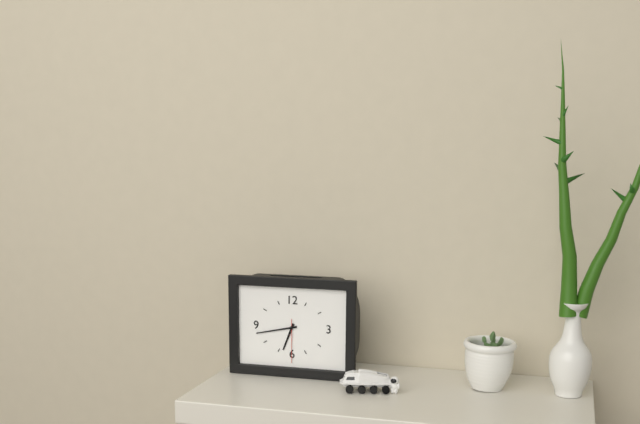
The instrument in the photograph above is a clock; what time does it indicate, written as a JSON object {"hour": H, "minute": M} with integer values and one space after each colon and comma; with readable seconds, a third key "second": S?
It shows {"hour": 6, "minute": 43}
